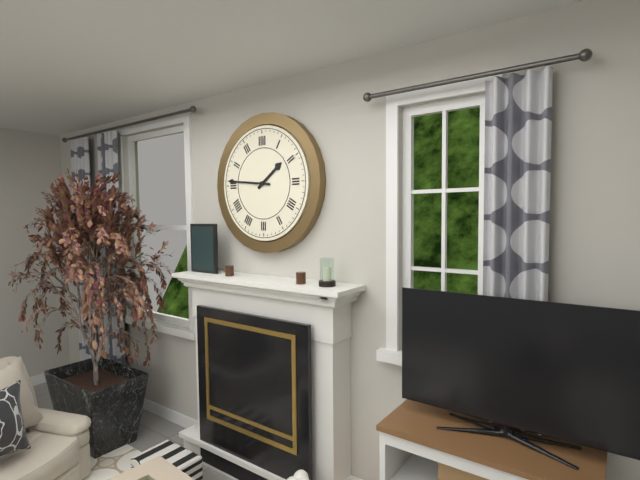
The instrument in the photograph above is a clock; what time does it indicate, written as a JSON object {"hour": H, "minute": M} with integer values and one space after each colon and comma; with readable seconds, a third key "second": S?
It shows {"hour": 1, "minute": 46}
